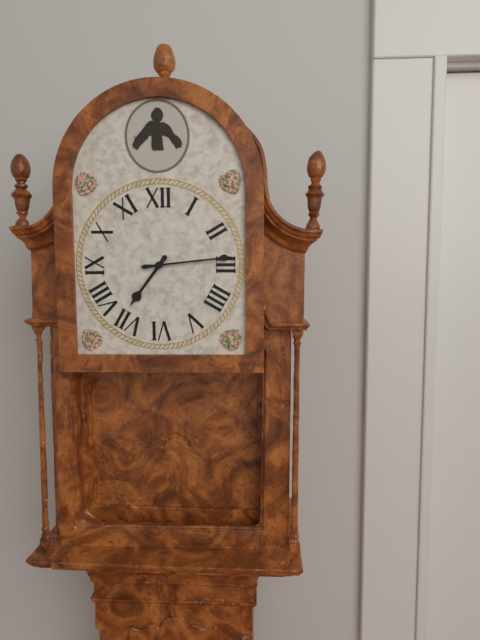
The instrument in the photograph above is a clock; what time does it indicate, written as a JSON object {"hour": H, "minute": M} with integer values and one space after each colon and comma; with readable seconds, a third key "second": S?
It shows {"hour": 7, "minute": 14}
